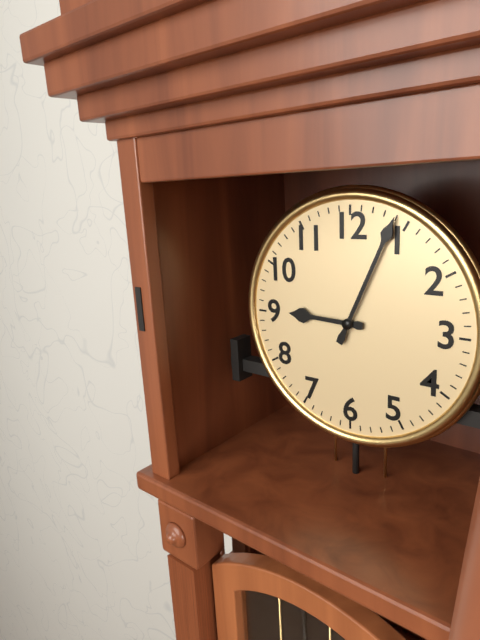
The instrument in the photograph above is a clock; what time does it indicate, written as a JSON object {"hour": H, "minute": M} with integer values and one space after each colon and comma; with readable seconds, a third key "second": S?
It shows {"hour": 9, "minute": 4}
